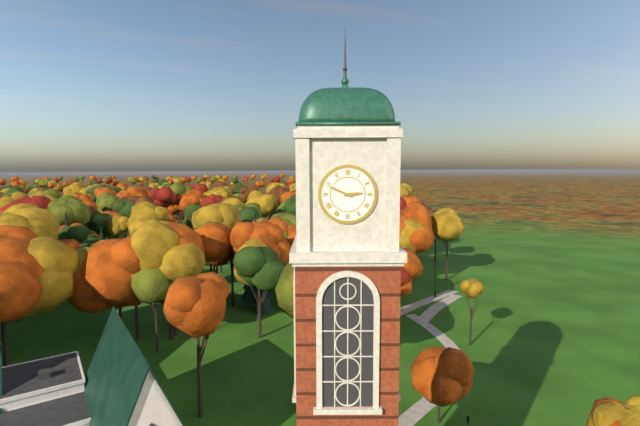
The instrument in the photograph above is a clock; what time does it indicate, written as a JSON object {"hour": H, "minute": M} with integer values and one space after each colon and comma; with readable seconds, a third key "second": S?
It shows {"hour": 2, "minute": 49}
